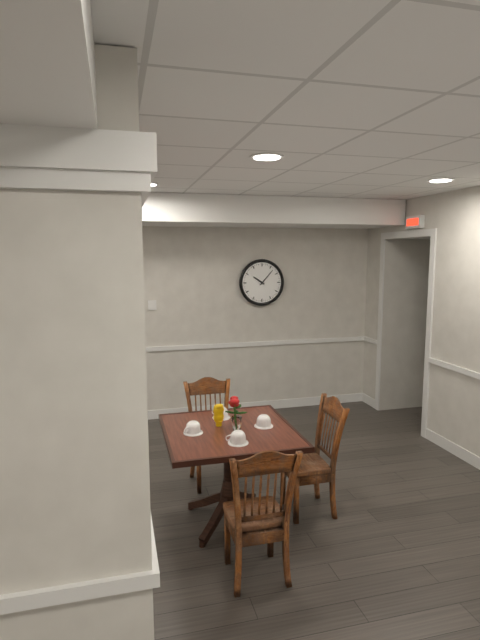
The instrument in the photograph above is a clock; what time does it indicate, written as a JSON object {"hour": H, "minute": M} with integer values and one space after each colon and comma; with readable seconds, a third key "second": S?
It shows {"hour": 10, "minute": 7}
